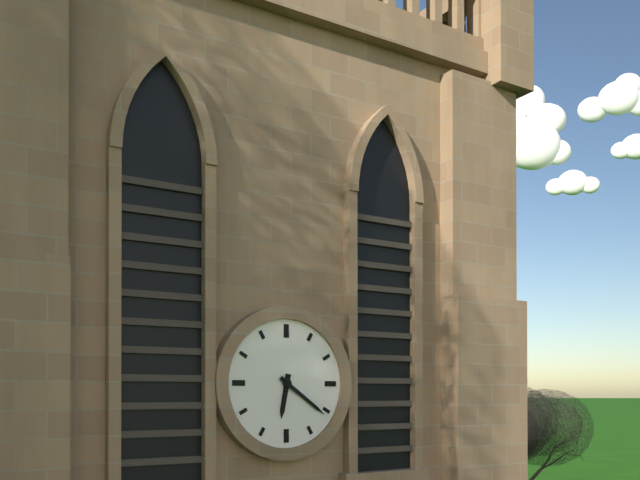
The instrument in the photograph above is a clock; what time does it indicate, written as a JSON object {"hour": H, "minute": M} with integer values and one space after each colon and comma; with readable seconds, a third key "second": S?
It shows {"hour": 6, "minute": 21}
